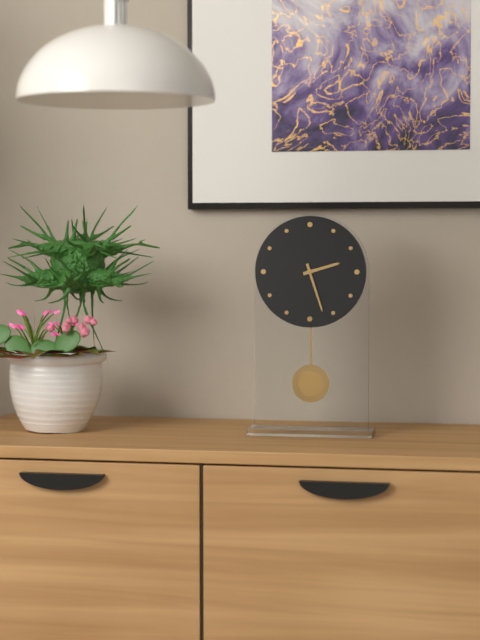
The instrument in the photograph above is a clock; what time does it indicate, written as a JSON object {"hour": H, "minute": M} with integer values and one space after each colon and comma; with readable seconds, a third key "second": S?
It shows {"hour": 2, "minute": 27}
